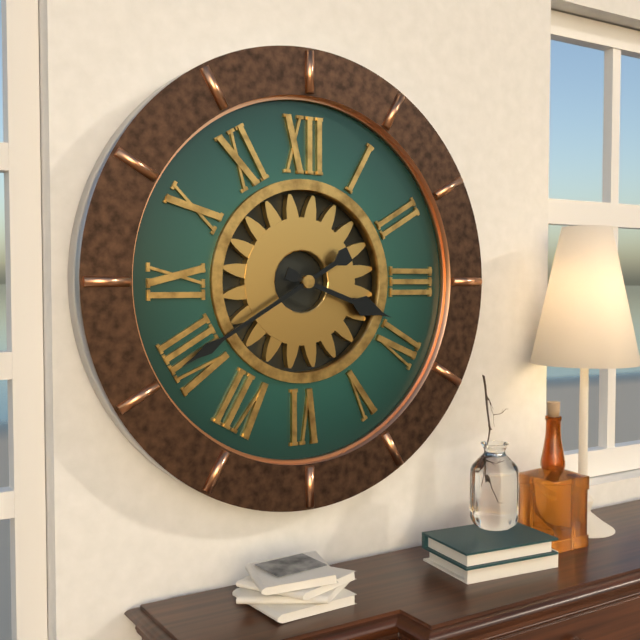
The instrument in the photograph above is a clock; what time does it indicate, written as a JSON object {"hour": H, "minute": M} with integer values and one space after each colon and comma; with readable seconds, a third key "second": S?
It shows {"hour": 3, "minute": 40}
